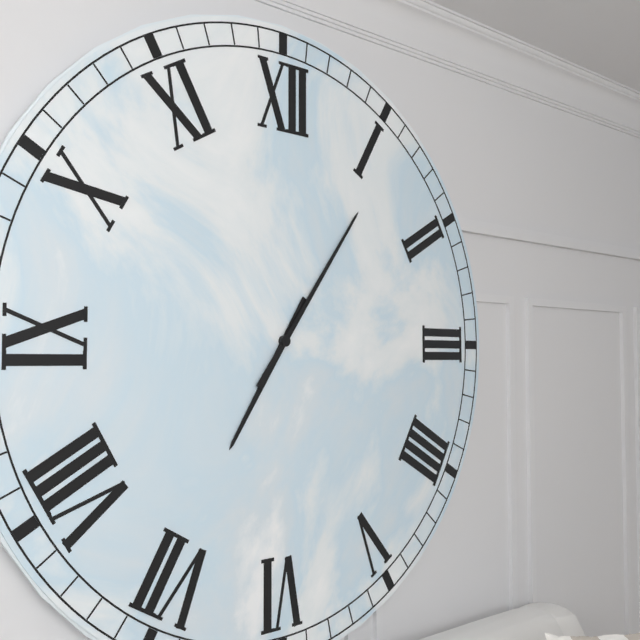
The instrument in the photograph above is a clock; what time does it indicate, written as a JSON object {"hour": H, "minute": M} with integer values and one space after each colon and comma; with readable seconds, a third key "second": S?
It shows {"hour": 7, "minute": 6}
